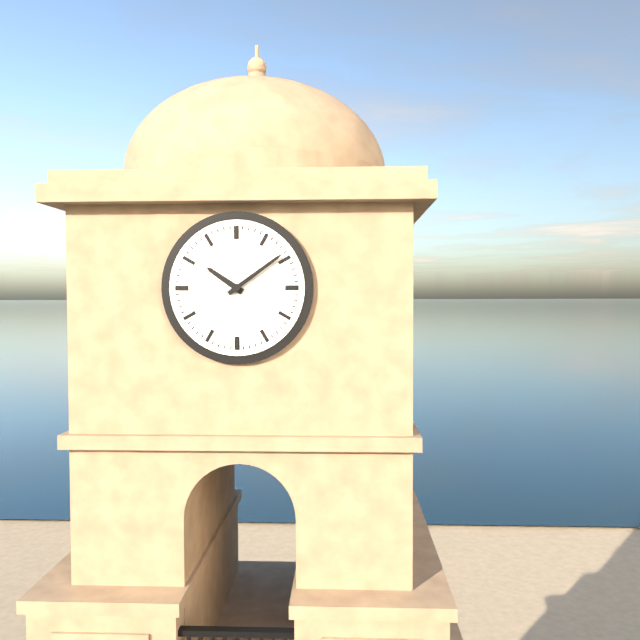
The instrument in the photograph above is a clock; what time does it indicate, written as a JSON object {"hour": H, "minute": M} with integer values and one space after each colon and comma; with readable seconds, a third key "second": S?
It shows {"hour": 10, "minute": 9}
